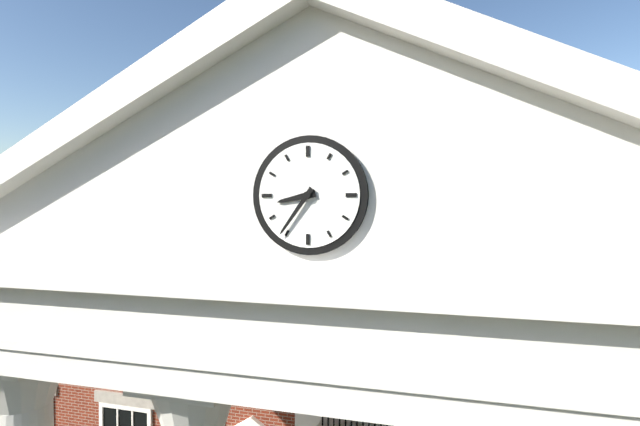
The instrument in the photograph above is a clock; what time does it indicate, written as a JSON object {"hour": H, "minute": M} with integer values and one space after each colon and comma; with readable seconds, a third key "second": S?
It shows {"hour": 8, "minute": 36}
